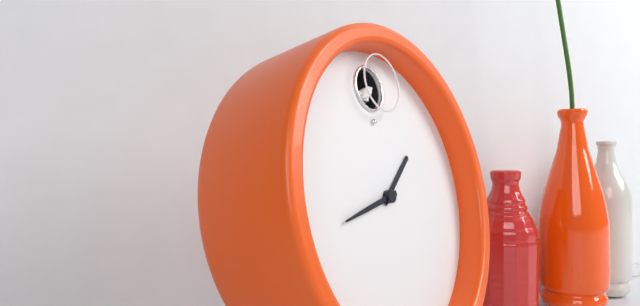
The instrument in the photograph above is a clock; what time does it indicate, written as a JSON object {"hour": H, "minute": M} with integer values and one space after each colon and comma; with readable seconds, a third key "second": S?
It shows {"hour": 1, "minute": 43}
